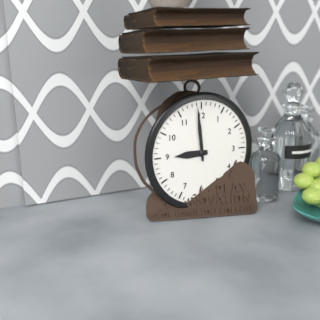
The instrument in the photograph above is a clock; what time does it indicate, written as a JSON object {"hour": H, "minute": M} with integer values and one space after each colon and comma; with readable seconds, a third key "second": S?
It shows {"hour": 8, "minute": 59}
